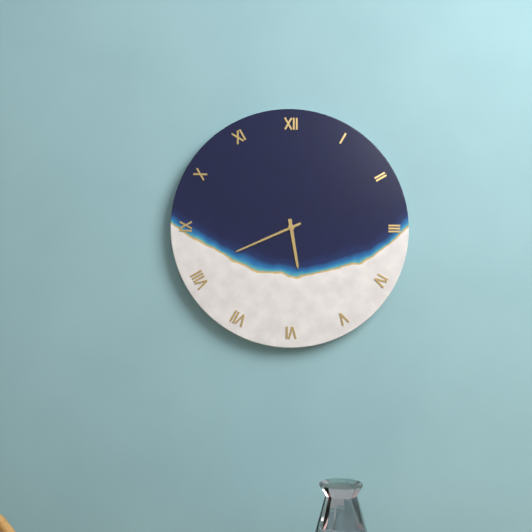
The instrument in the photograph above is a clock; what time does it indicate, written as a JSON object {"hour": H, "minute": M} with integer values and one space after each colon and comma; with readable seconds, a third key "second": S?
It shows {"hour": 5, "minute": 41}
